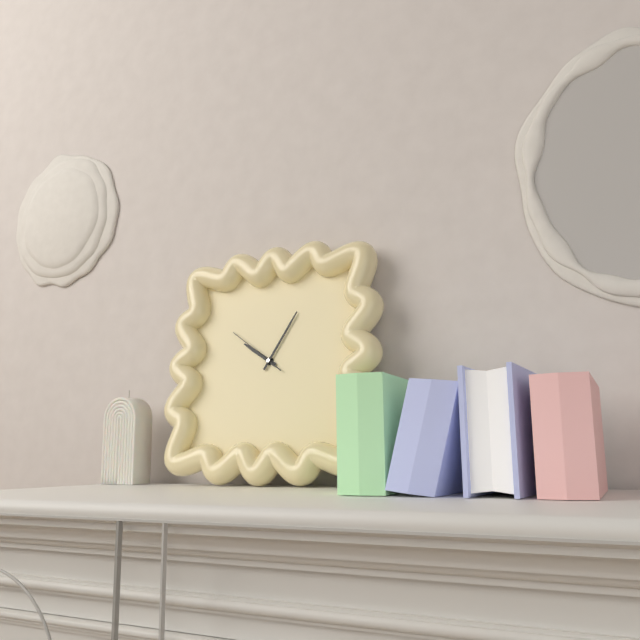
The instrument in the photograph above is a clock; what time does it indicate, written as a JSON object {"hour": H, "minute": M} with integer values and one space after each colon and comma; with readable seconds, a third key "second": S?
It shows {"hour": 10, "minute": 5, "second": 51}
